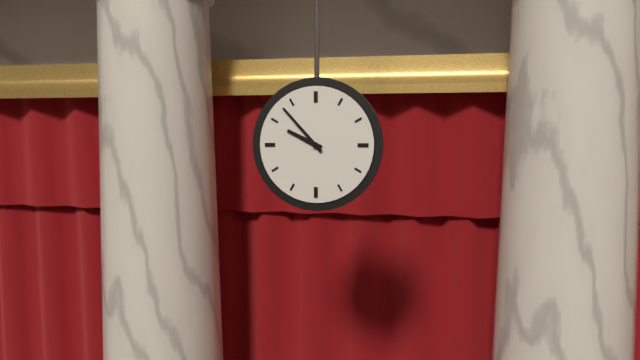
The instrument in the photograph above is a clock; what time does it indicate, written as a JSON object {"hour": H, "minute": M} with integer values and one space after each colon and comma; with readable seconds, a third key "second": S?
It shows {"hour": 9, "minute": 53}
